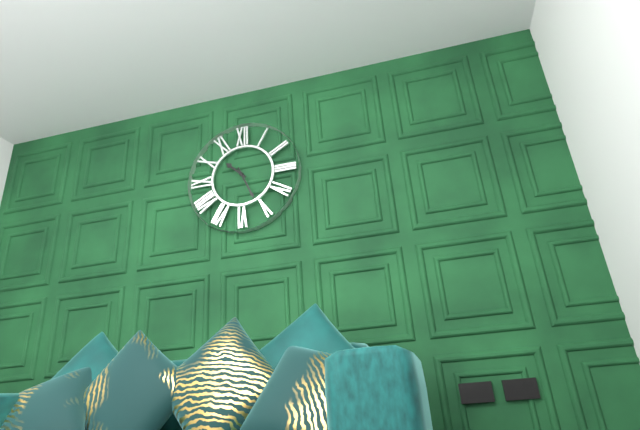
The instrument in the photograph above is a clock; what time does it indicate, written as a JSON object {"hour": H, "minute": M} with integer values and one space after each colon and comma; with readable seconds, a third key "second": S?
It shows {"hour": 10, "minute": 26}
